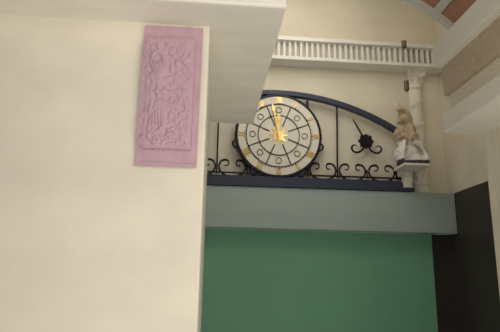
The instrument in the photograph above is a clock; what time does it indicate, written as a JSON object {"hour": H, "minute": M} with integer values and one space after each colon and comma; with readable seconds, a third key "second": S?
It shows {"hour": 11, "minute": 58}
